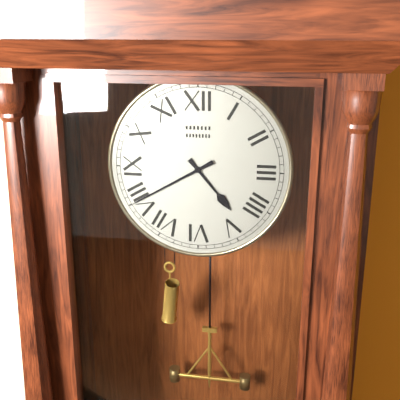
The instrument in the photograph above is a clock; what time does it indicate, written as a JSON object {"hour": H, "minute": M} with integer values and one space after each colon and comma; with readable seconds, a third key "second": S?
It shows {"hour": 4, "minute": 40}
